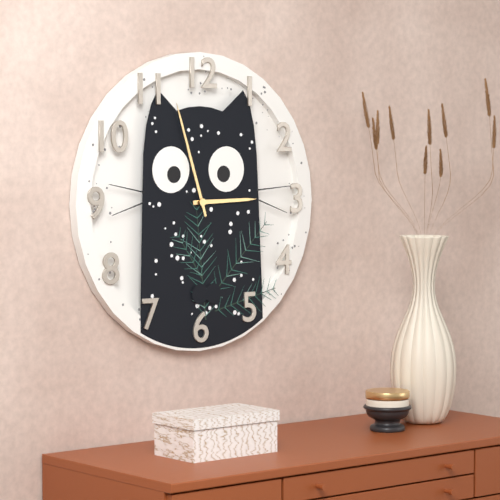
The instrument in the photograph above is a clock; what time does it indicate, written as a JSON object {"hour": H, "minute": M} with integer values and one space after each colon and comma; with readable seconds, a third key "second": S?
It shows {"hour": 2, "minute": 57}
